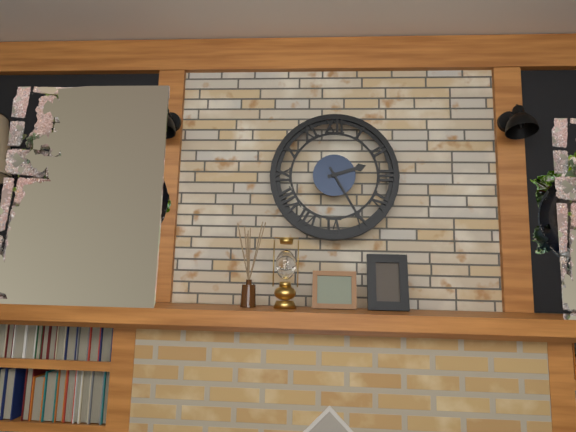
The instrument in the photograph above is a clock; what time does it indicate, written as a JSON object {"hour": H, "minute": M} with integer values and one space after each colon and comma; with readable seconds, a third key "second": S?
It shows {"hour": 2, "minute": 25}
